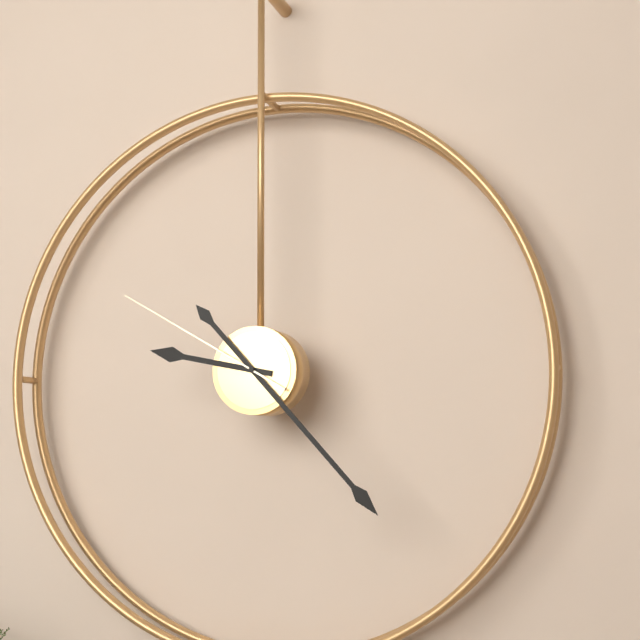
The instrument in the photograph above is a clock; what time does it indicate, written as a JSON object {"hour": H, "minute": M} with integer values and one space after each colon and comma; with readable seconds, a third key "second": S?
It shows {"hour": 9, "minute": 23, "second": 50}
